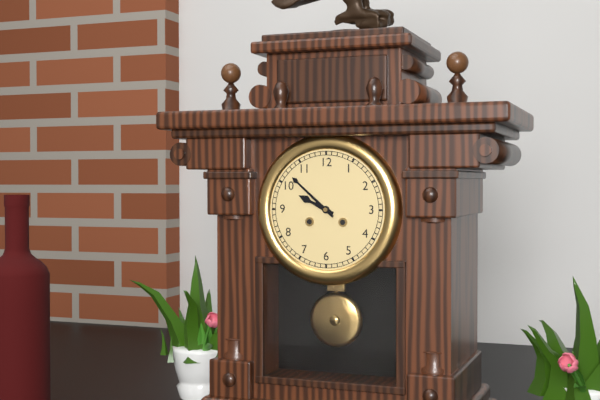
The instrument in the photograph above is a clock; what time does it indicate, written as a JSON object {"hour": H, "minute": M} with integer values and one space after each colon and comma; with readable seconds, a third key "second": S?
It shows {"hour": 9, "minute": 52}
